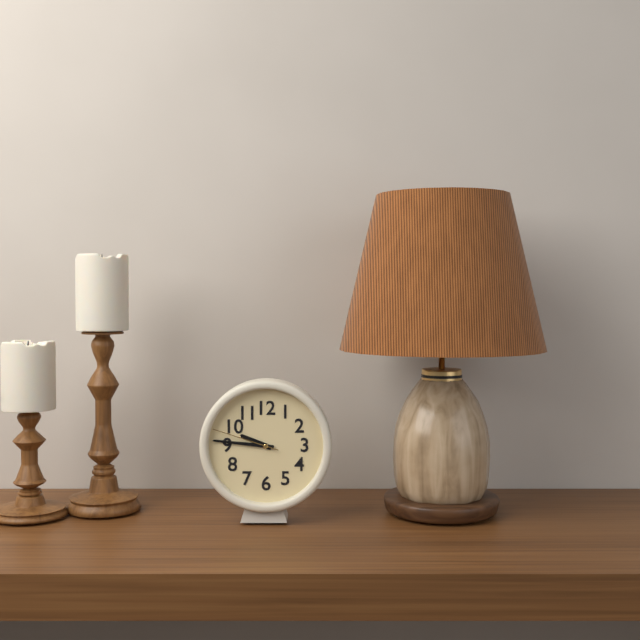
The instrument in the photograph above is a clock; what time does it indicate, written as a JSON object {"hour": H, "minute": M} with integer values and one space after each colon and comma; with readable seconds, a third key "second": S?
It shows {"hour": 9, "minute": 46, "second": 48}
